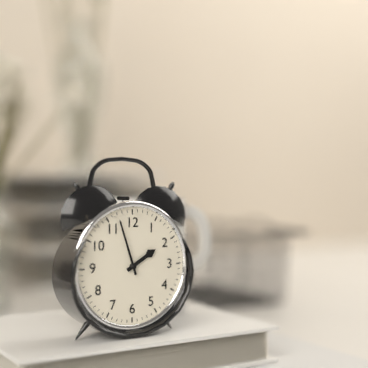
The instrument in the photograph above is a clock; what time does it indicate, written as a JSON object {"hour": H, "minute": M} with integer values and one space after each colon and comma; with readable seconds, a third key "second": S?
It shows {"hour": 1, "minute": 57}
